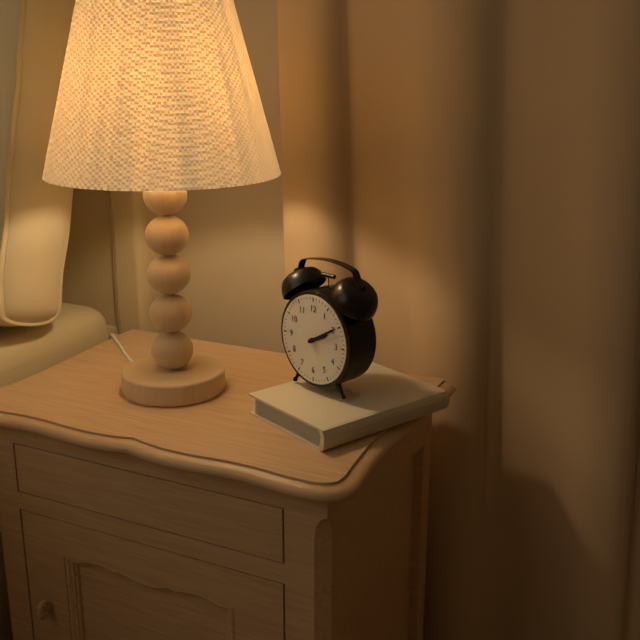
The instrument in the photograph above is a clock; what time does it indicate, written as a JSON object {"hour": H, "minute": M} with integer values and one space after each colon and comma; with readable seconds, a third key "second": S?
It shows {"hour": 2, "minute": 10}
